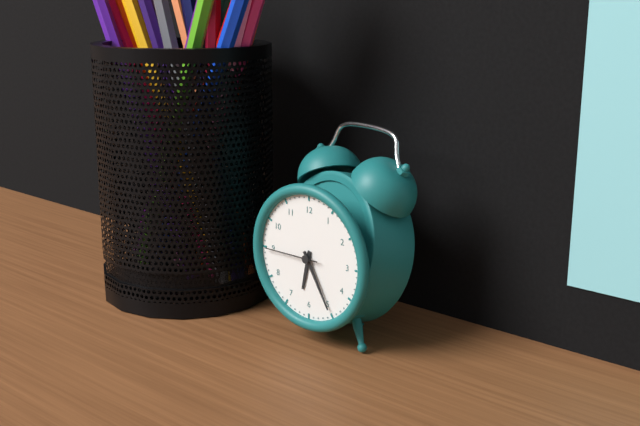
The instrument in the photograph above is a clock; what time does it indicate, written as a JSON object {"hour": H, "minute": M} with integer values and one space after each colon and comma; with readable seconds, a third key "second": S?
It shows {"hour": 6, "minute": 25, "second": 45}
